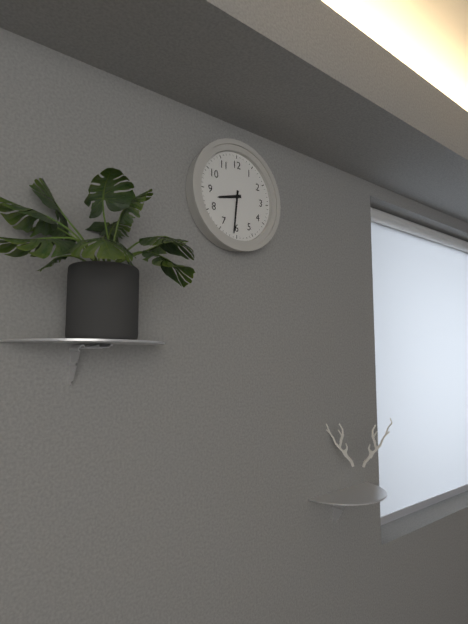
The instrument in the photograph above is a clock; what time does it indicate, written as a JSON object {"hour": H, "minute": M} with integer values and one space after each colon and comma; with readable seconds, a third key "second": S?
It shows {"hour": 8, "minute": 31}
